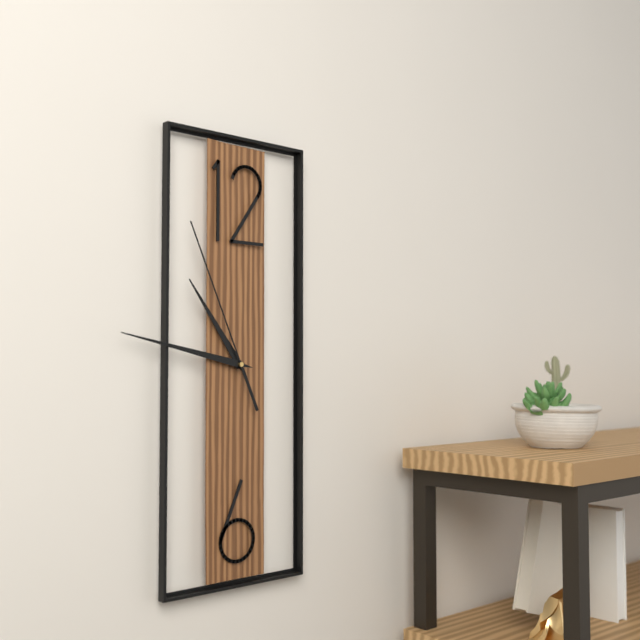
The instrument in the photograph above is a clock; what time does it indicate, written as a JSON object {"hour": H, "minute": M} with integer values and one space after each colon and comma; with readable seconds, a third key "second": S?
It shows {"hour": 10, "minute": 47, "second": 56}
